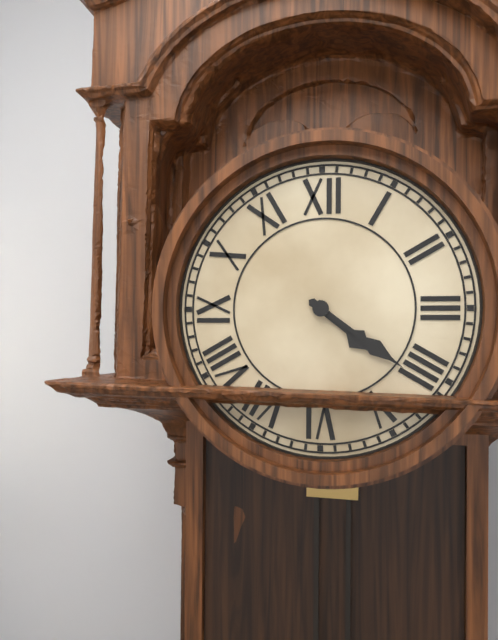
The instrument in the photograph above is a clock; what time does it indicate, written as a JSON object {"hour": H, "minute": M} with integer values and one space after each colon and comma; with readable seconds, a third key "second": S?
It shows {"hour": 4, "minute": 21}
